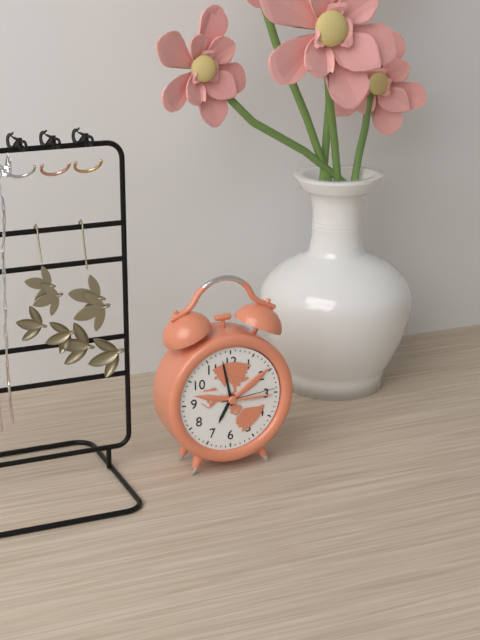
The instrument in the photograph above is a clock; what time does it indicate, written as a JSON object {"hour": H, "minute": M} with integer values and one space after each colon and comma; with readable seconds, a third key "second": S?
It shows {"hour": 6, "minute": 58, "second": 14}
